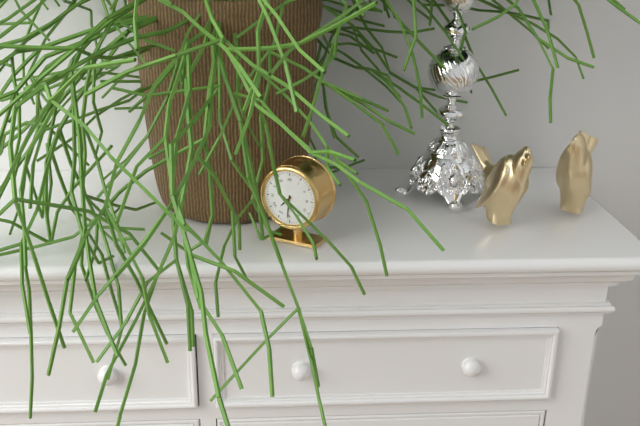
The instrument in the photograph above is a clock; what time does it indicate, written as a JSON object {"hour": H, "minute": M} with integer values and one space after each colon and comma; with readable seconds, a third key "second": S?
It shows {"hour": 7, "minute": 31}
